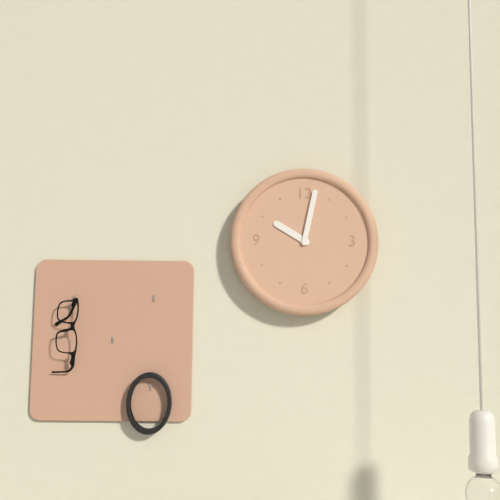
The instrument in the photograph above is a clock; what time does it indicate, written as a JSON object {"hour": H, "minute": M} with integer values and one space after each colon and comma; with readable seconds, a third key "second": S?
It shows {"hour": 10, "minute": 2}
